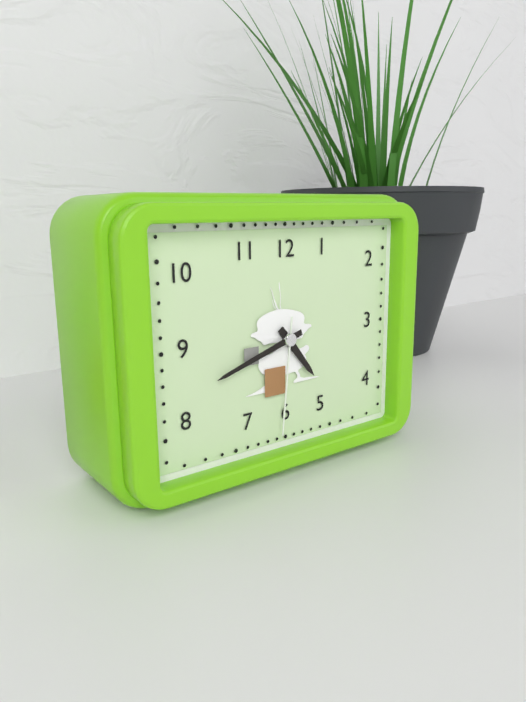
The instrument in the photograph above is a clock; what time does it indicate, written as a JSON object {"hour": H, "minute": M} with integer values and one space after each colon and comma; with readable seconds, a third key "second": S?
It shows {"hour": 4, "minute": 42, "second": 31}
